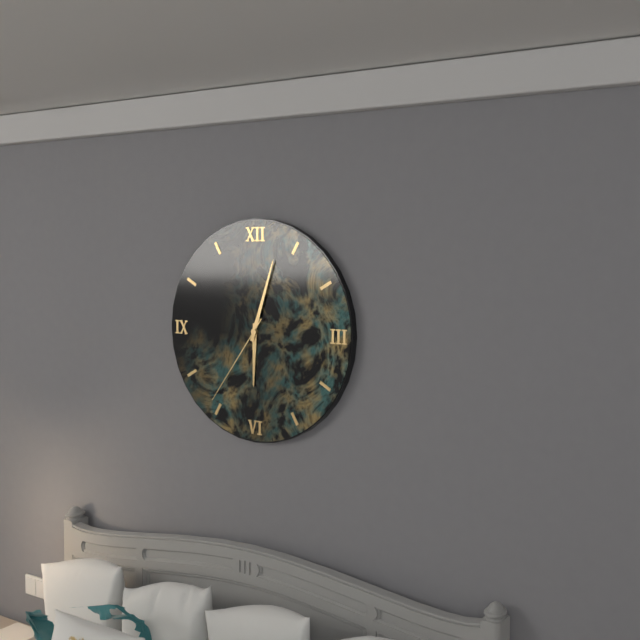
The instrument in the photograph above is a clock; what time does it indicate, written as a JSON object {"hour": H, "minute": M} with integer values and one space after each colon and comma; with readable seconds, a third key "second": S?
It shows {"hour": 6, "minute": 3, "second": 36}
